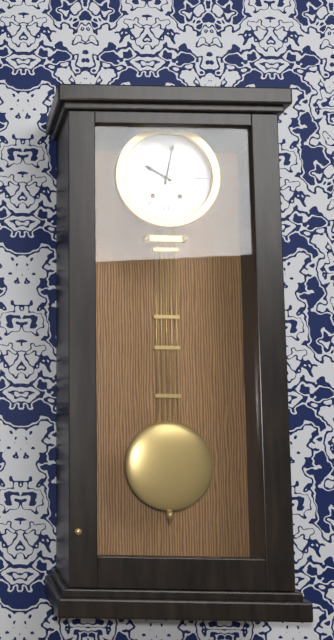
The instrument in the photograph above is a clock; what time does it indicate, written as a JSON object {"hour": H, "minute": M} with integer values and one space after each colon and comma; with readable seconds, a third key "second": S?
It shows {"hour": 10, "minute": 2}
